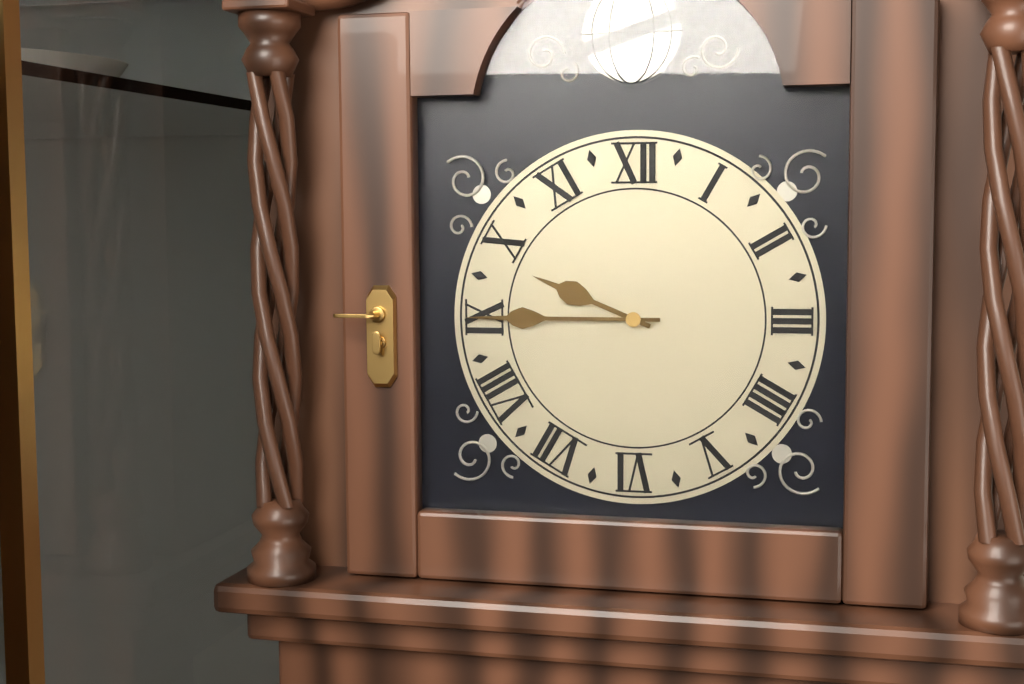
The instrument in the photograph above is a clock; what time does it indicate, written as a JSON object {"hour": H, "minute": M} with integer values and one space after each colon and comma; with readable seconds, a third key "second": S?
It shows {"hour": 9, "minute": 45}
